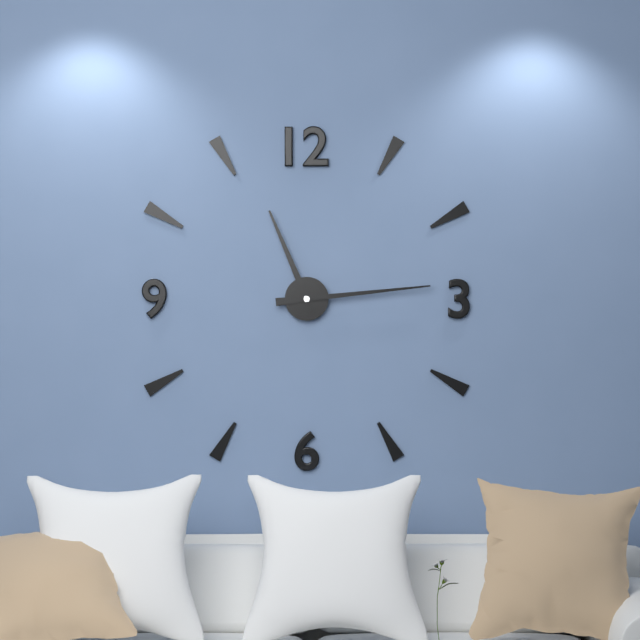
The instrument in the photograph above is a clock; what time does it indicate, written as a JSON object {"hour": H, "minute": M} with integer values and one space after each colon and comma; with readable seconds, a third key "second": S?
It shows {"hour": 11, "minute": 14}
